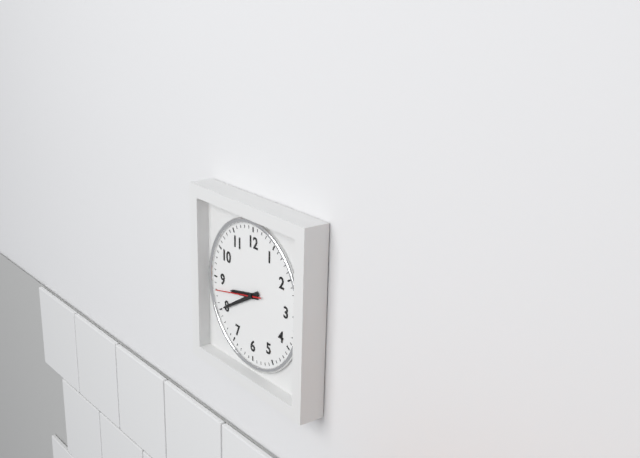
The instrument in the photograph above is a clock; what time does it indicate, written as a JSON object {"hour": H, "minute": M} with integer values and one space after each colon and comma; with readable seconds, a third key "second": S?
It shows {"hour": 8, "minute": 40}
